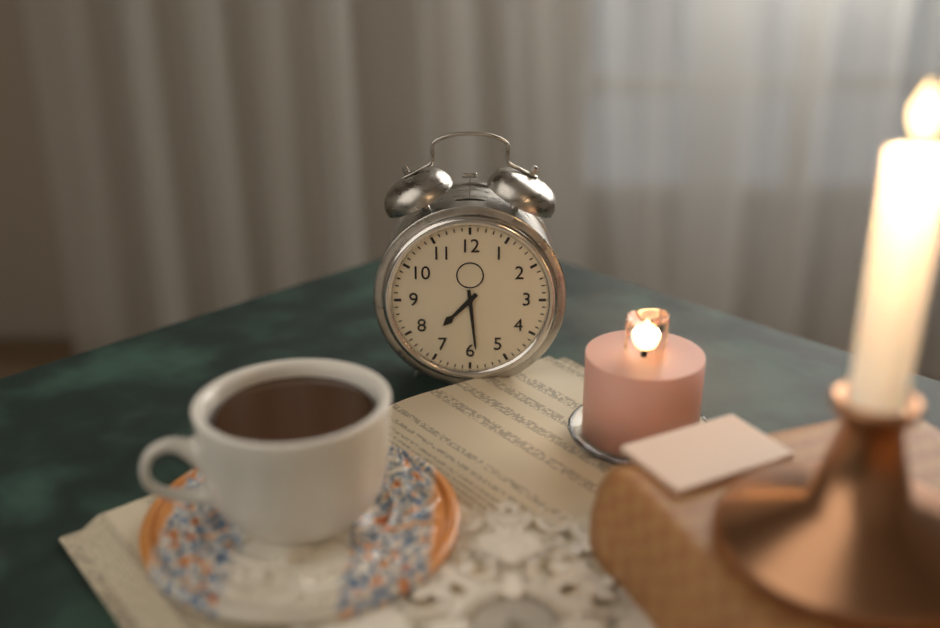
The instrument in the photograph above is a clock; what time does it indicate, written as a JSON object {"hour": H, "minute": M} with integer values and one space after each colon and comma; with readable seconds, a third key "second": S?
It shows {"hour": 7, "minute": 29}
